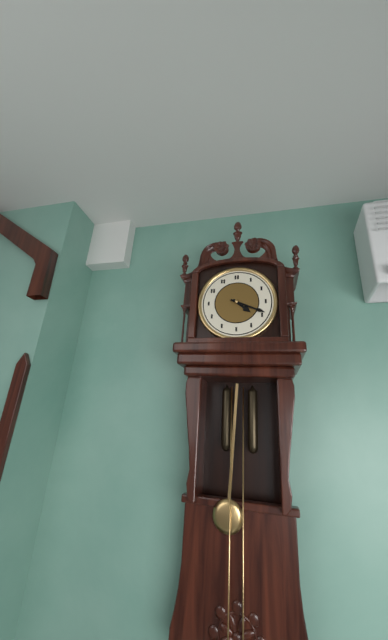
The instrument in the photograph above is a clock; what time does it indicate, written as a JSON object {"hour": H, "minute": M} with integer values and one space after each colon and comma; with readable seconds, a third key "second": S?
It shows {"hour": 4, "minute": 19}
